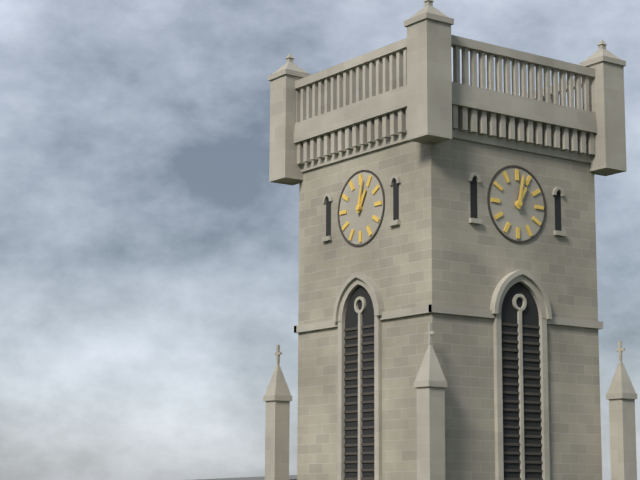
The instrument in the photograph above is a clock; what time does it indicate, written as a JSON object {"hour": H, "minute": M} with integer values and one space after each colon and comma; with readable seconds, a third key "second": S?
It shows {"hour": 1, "minute": 2}
